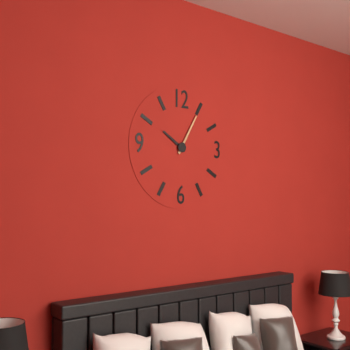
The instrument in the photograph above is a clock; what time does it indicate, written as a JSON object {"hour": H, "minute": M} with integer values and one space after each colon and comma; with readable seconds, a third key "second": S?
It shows {"hour": 10, "minute": 5}
